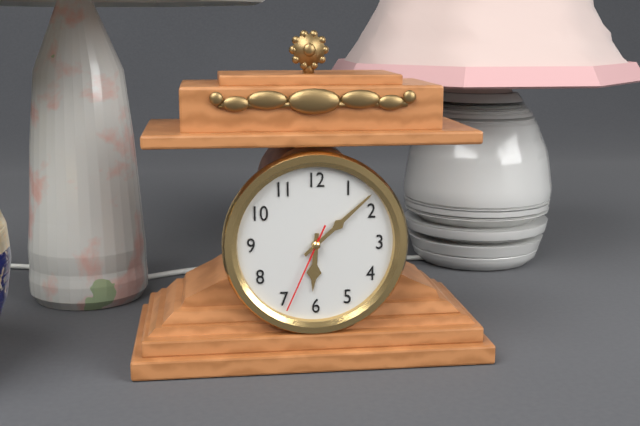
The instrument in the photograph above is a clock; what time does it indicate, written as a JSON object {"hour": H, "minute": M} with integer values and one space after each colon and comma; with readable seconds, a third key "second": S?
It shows {"hour": 6, "minute": 8, "second": 34}
